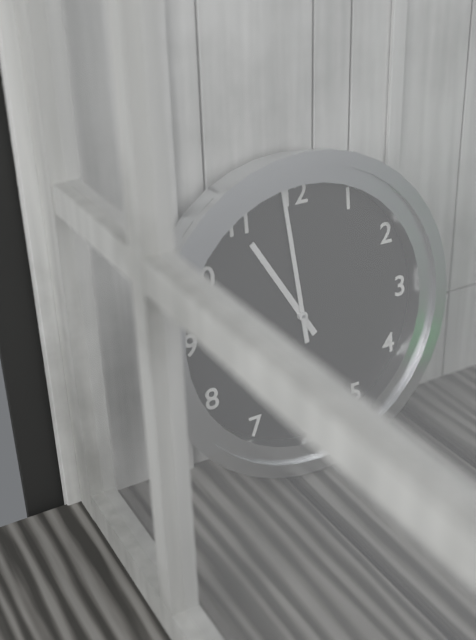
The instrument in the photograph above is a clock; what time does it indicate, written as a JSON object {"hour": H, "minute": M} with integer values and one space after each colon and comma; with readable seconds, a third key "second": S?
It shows {"hour": 10, "minute": 59}
